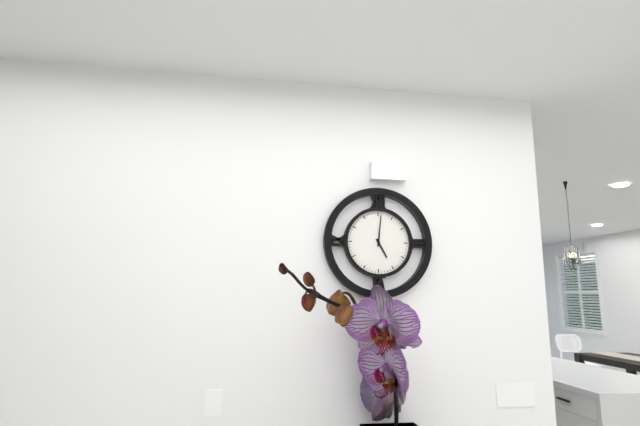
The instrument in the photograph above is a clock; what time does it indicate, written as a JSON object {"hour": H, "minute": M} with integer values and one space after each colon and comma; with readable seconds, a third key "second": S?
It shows {"hour": 5, "minute": 1}
